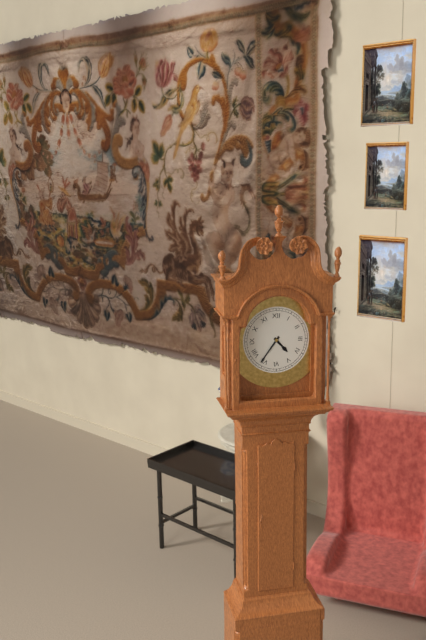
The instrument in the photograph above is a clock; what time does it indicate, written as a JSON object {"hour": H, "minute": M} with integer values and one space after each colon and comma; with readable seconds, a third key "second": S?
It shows {"hour": 4, "minute": 36}
